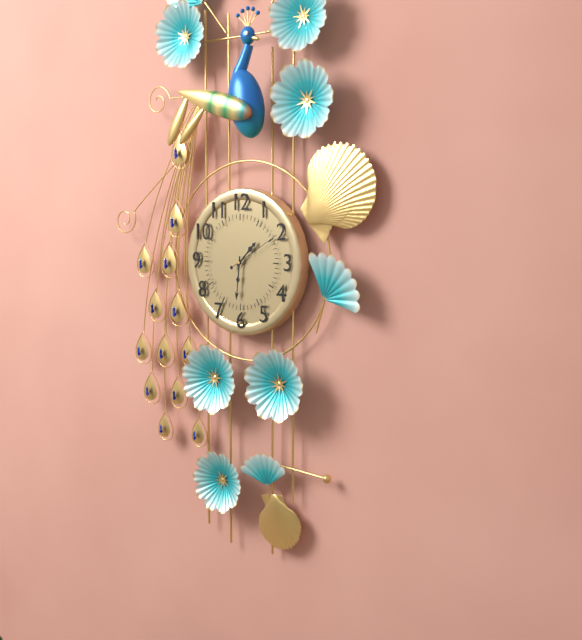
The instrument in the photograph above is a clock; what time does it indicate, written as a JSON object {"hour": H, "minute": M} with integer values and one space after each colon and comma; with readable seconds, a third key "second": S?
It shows {"hour": 1, "minute": 31, "second": 10}
